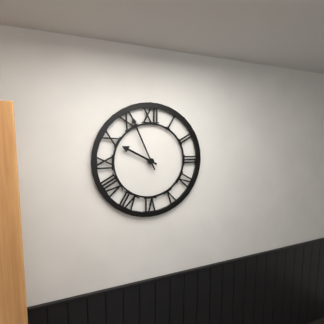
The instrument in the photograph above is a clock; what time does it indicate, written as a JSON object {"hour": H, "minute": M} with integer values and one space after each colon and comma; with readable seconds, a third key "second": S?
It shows {"hour": 9, "minute": 56}
